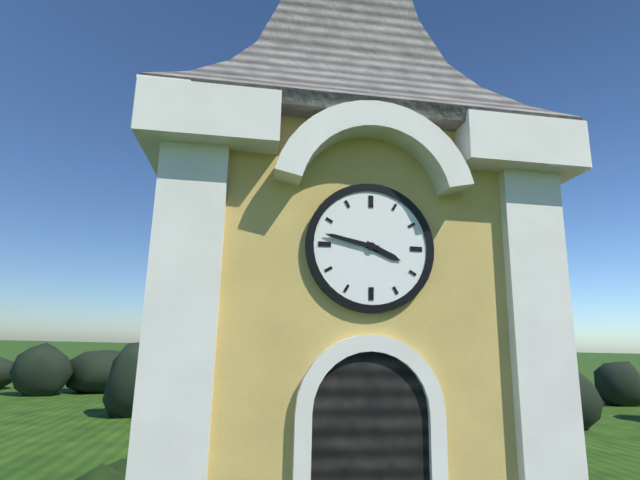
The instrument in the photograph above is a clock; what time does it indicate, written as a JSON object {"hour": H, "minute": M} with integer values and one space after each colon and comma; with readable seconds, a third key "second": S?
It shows {"hour": 3, "minute": 47}
